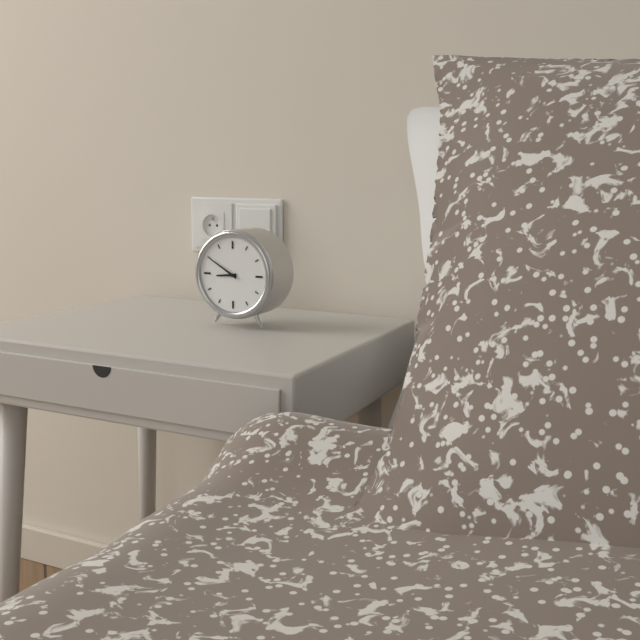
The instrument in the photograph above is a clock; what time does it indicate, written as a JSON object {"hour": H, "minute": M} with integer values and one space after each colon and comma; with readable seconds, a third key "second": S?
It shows {"hour": 8, "minute": 50}
